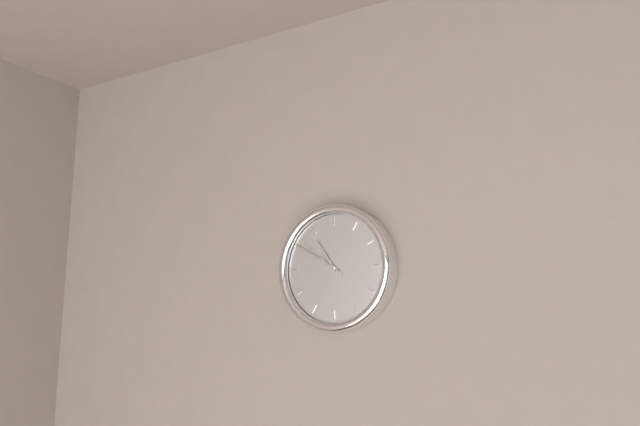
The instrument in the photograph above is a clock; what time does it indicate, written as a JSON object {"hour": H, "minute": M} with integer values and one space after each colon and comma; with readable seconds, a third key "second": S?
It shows {"hour": 10, "minute": 50, "second": 51}
